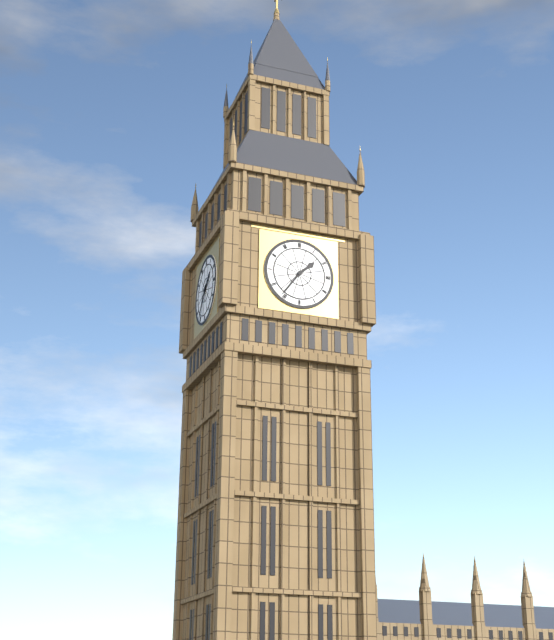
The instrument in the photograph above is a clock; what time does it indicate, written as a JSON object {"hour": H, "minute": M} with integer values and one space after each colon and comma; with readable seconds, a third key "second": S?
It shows {"hour": 1, "minute": 36}
